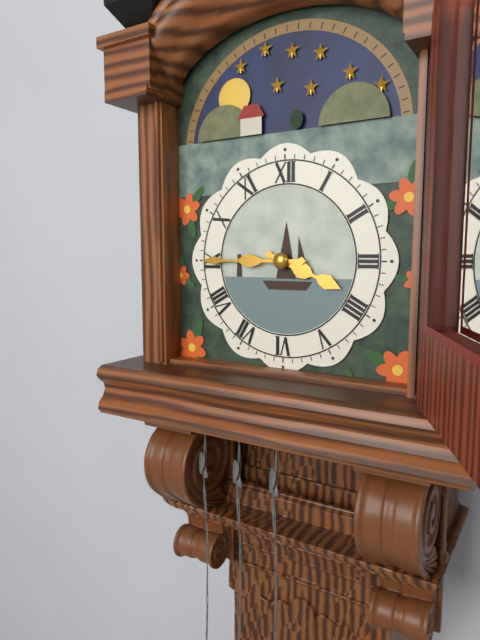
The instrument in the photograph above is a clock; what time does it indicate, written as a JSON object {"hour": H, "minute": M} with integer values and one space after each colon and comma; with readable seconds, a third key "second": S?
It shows {"hour": 3, "minute": 45}
